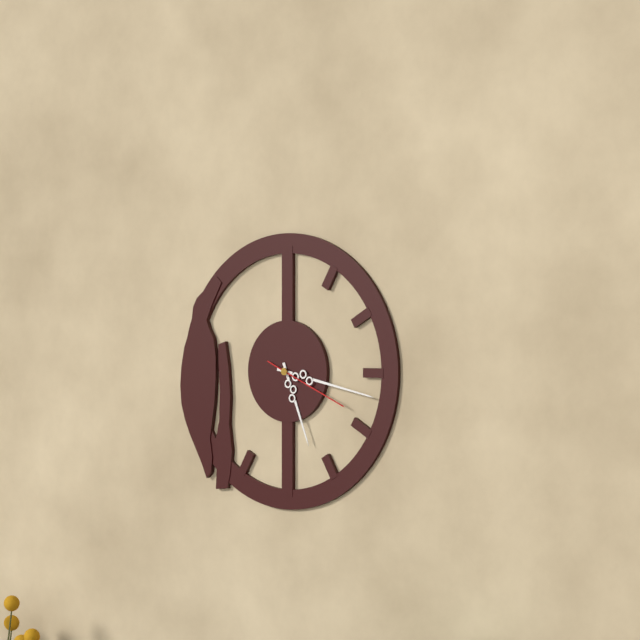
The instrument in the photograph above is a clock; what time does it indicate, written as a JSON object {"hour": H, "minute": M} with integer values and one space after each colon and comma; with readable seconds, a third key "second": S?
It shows {"hour": 5, "minute": 17, "second": 19}
